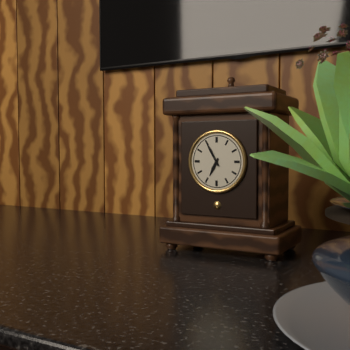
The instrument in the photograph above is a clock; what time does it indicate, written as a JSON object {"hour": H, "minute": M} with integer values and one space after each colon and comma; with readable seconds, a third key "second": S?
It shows {"hour": 6, "minute": 55}
